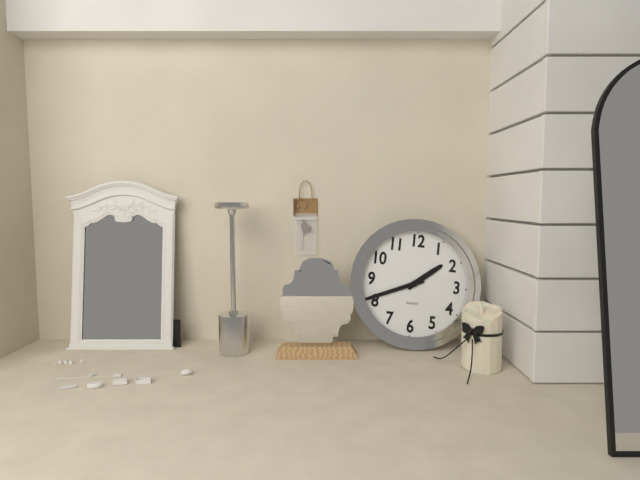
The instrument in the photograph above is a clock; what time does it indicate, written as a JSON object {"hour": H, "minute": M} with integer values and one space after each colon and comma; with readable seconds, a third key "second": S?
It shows {"hour": 1, "minute": 41}
